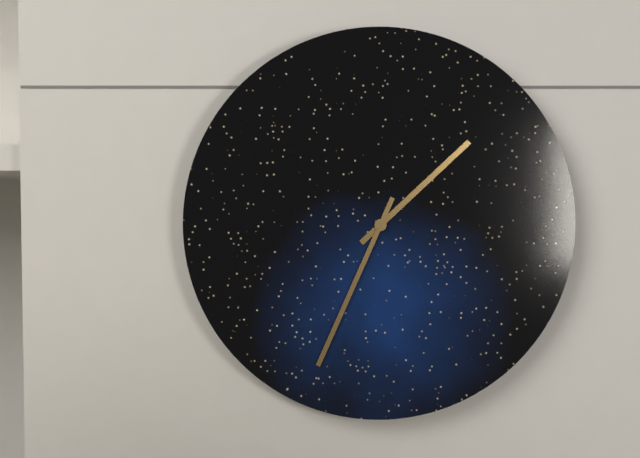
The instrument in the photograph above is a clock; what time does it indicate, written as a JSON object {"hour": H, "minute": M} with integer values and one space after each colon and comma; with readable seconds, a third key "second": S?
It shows {"hour": 1, "minute": 34}
